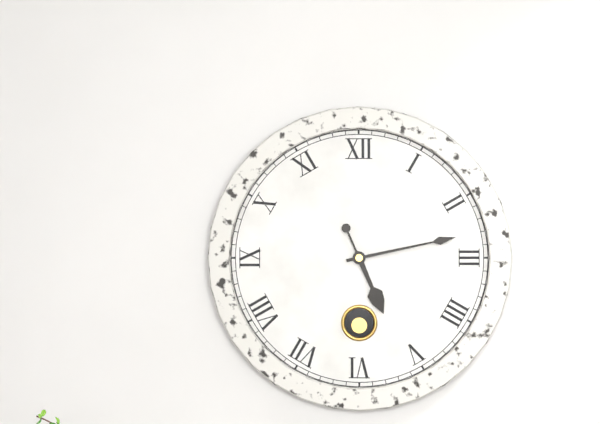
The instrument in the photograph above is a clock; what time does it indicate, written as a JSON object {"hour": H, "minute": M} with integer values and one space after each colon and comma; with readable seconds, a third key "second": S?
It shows {"hour": 5, "minute": 13}
